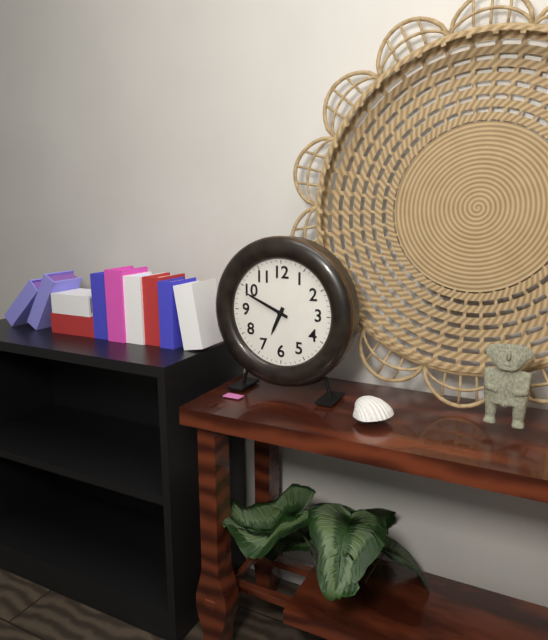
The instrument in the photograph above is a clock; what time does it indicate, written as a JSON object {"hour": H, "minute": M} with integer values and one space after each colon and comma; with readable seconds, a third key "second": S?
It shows {"hour": 6, "minute": 49}
